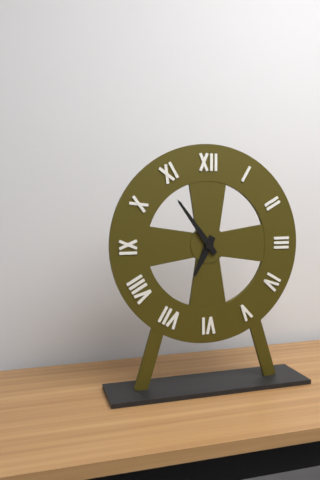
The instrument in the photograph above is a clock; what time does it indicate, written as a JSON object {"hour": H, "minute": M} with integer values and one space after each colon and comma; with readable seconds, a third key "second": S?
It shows {"hour": 6, "minute": 54}
